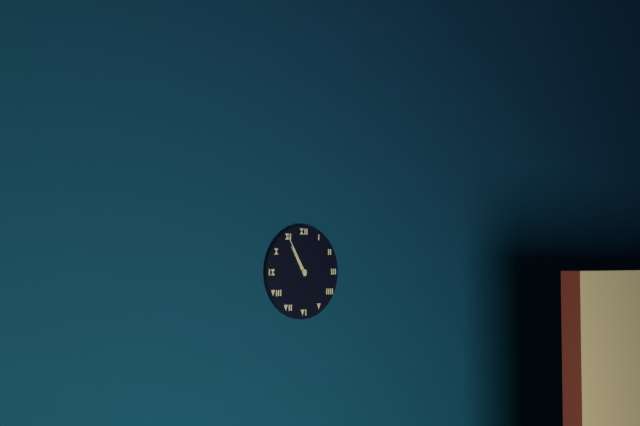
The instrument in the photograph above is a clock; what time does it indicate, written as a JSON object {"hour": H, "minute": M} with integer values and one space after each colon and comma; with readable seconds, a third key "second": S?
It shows {"hour": 10, "minute": 55}
